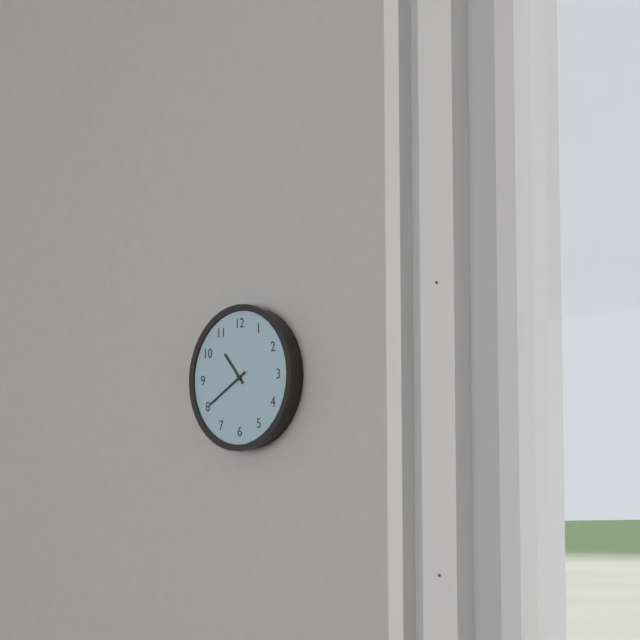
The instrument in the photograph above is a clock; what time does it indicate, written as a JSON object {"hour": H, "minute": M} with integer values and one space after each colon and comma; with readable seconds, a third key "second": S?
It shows {"hour": 10, "minute": 40}
